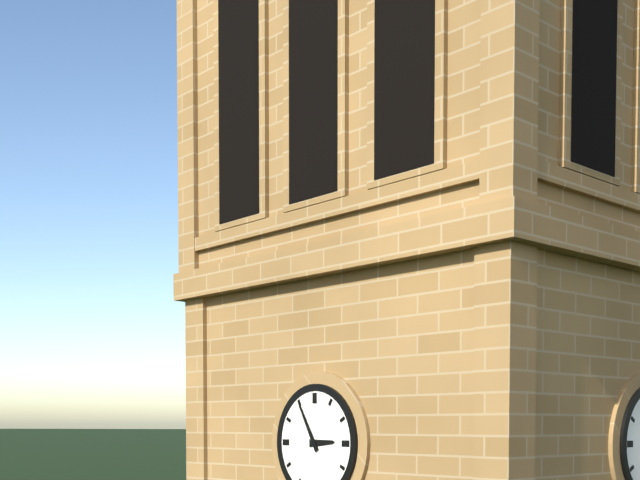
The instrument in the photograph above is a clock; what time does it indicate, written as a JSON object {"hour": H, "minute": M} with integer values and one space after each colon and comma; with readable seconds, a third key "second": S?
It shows {"hour": 2, "minute": 55}
